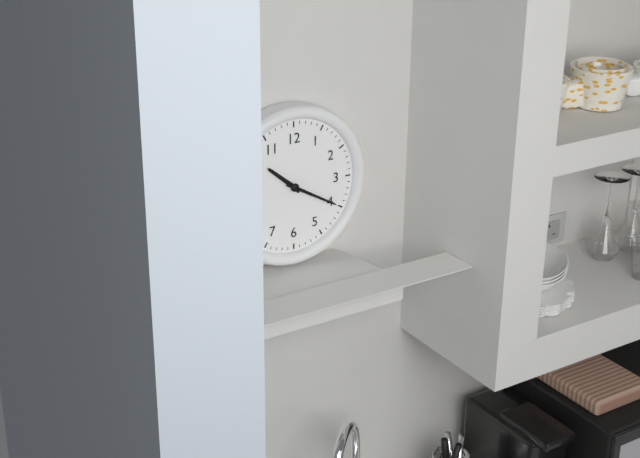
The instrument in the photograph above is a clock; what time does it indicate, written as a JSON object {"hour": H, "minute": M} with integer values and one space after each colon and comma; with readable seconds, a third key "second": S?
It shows {"hour": 10, "minute": 20}
